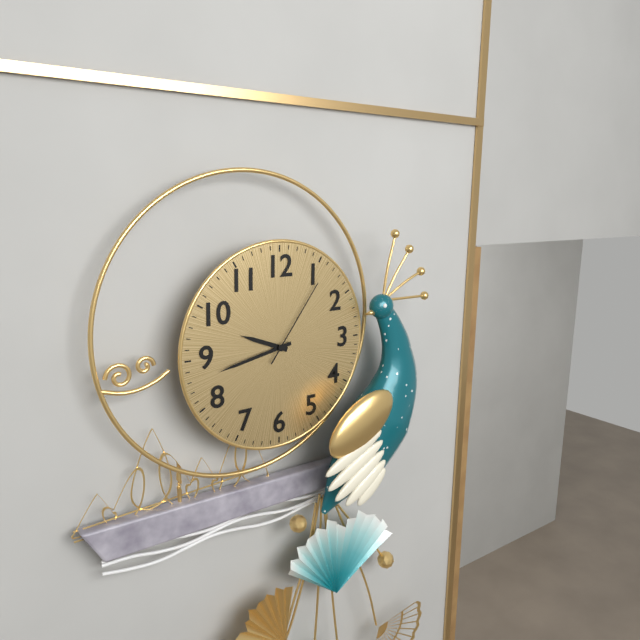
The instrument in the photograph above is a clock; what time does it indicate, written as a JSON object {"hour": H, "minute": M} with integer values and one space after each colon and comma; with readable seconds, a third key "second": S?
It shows {"hour": 9, "minute": 43, "second": 6}
